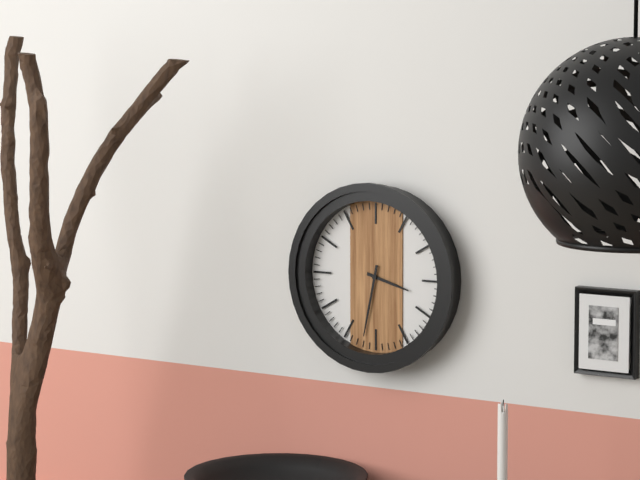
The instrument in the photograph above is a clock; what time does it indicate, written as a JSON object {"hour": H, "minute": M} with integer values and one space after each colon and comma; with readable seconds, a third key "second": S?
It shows {"hour": 3, "minute": 32}
